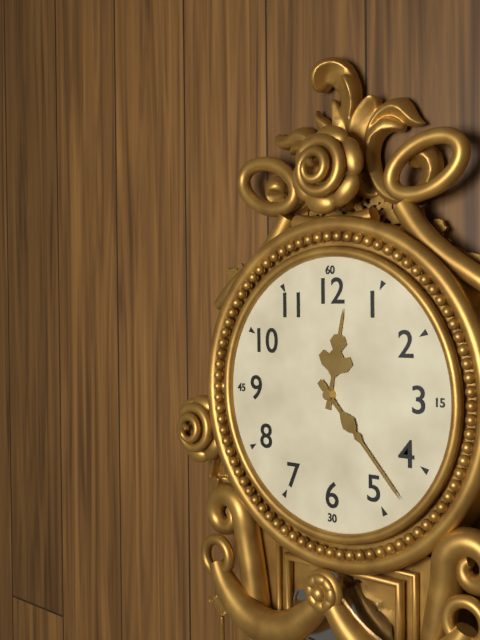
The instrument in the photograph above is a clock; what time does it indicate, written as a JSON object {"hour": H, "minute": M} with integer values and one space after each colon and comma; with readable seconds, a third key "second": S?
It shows {"hour": 12, "minute": 23}
